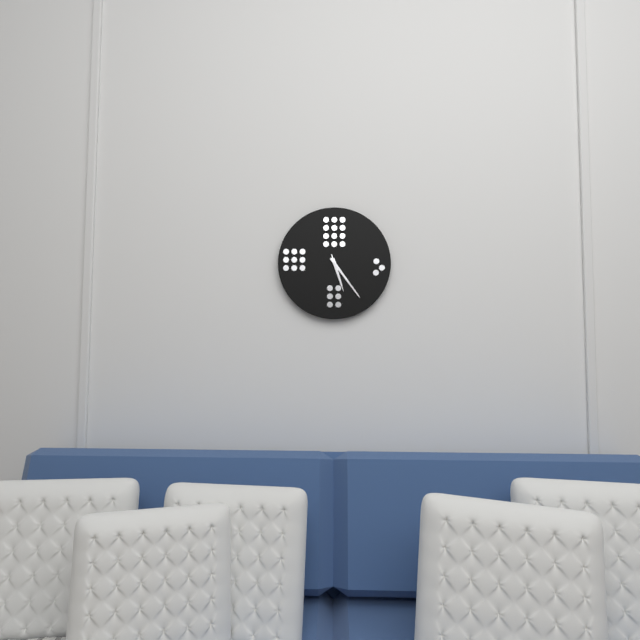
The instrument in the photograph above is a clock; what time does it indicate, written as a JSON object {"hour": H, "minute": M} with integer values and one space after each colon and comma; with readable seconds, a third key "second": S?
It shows {"hour": 5, "minute": 24}
